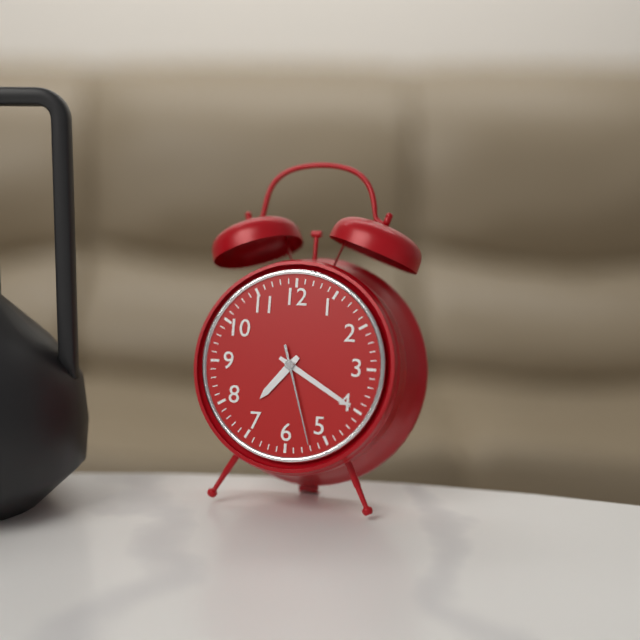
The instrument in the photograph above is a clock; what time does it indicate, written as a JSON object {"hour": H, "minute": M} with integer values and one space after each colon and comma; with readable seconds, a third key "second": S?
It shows {"hour": 7, "minute": 20, "second": 27}
